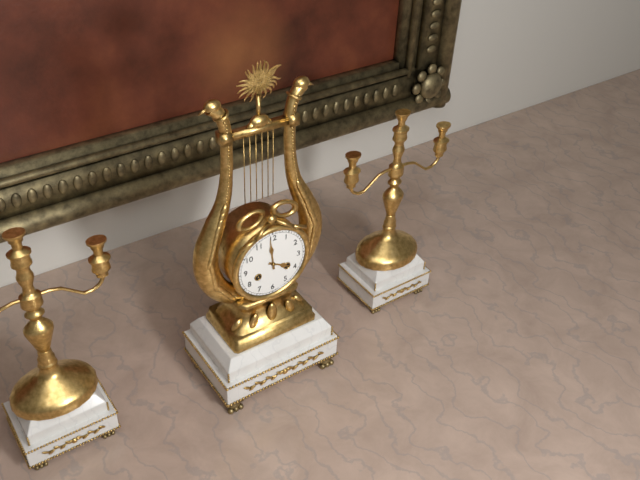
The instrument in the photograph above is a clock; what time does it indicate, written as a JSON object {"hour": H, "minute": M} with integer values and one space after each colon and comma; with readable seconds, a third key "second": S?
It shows {"hour": 3, "minute": 59}
